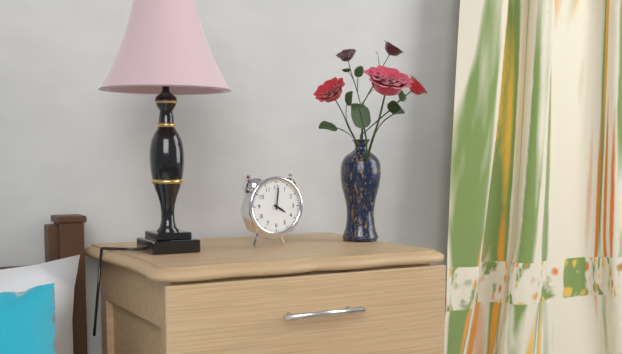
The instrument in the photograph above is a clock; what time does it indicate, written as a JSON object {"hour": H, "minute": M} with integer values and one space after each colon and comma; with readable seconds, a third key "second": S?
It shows {"hour": 4, "minute": 1}
